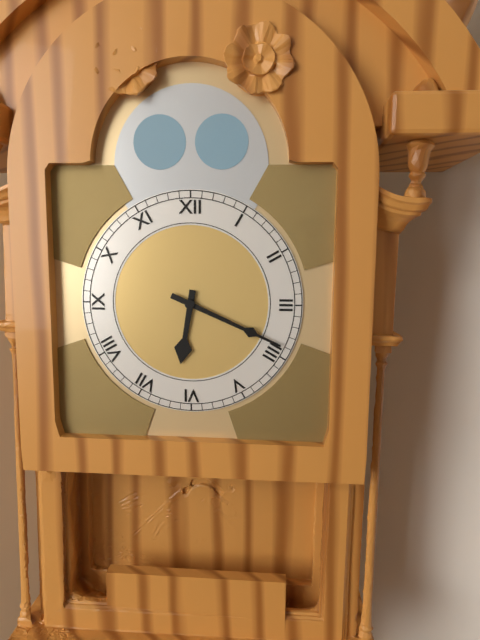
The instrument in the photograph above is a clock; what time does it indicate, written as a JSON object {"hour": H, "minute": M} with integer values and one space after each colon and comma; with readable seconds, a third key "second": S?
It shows {"hour": 6, "minute": 19}
